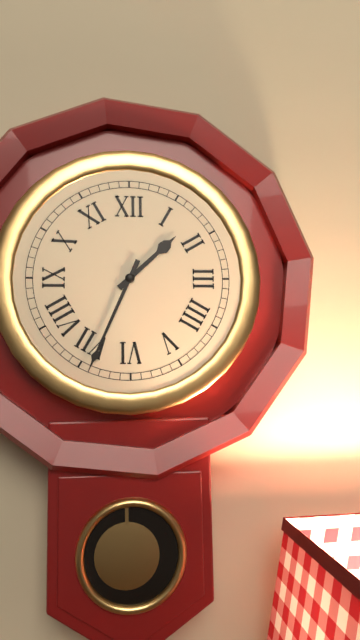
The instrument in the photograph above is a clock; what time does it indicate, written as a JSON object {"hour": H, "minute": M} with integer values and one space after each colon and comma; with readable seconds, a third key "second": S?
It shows {"hour": 1, "minute": 34}
